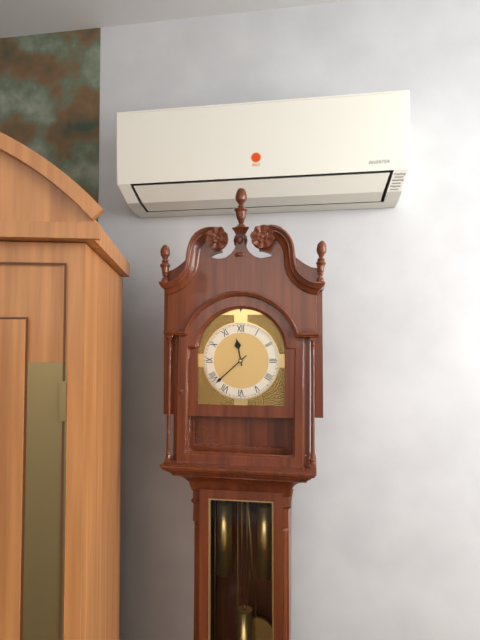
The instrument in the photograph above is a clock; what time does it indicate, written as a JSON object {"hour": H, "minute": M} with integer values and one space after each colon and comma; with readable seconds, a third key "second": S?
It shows {"hour": 11, "minute": 38}
